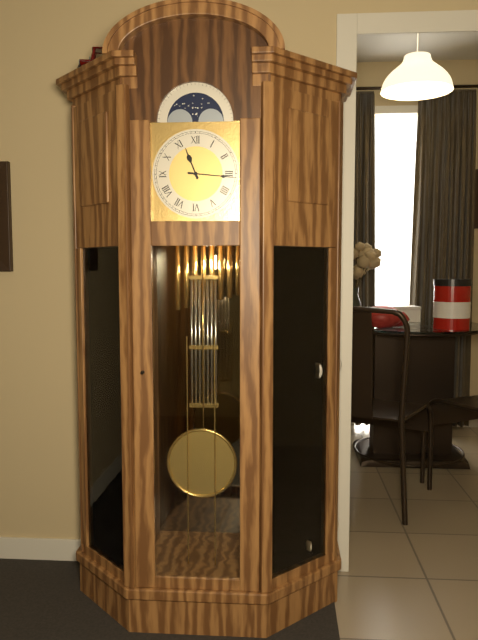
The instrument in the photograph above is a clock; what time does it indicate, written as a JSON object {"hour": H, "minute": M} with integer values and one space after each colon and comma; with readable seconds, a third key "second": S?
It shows {"hour": 11, "minute": 16}
